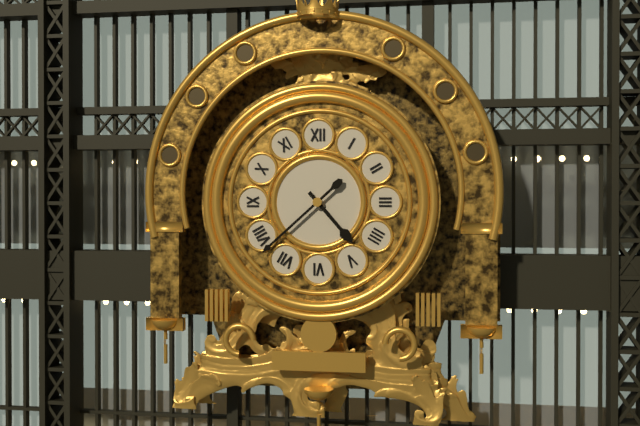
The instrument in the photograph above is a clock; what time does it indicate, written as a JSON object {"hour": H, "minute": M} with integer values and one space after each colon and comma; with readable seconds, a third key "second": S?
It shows {"hour": 4, "minute": 38}
